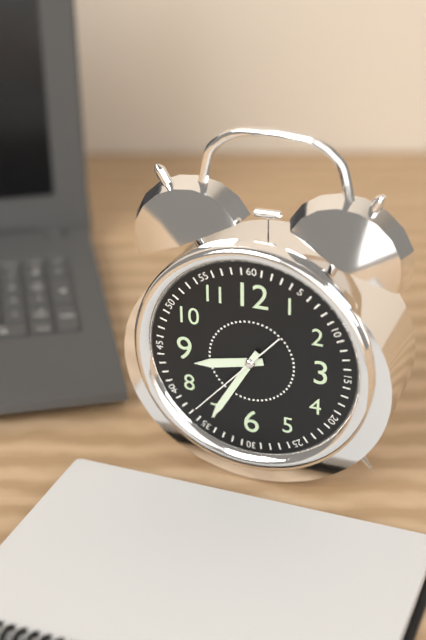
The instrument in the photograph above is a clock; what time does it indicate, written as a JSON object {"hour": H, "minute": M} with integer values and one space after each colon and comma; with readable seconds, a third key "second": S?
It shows {"hour": 8, "minute": 35, "second": 37}
